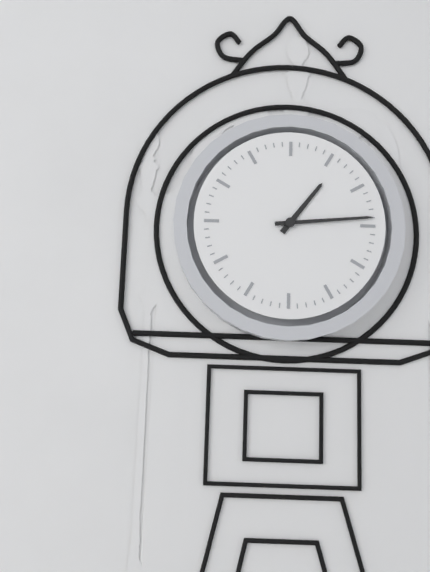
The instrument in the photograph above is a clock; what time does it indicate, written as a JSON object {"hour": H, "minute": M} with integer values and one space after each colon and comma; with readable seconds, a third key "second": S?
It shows {"hour": 1, "minute": 14}
